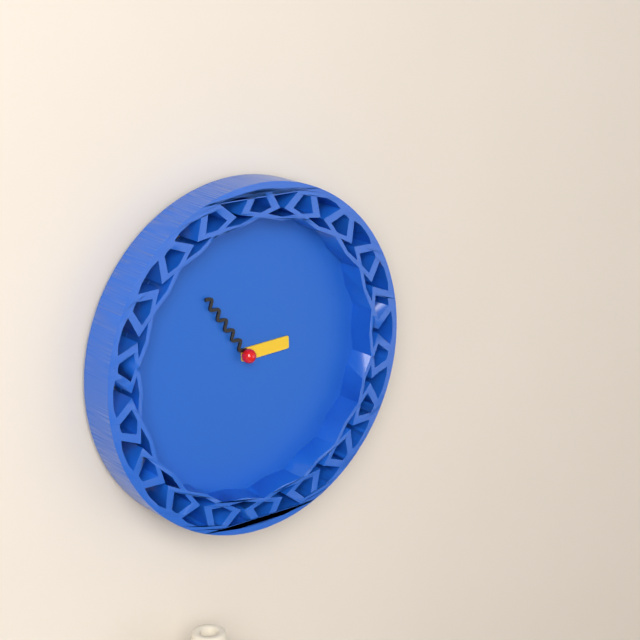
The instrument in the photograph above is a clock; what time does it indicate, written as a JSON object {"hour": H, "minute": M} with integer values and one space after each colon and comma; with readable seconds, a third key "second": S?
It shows {"hour": 2, "minute": 54}
